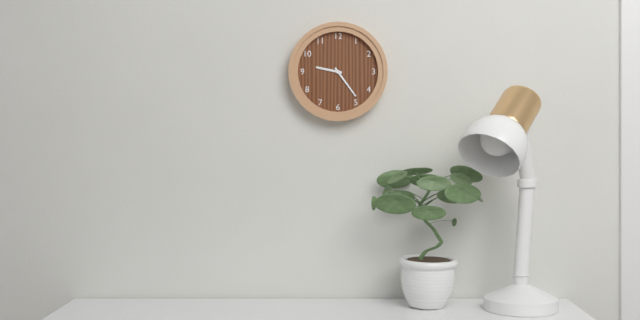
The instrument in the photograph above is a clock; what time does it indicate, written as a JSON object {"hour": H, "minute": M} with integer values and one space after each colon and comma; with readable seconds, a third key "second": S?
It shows {"hour": 9, "minute": 24}
